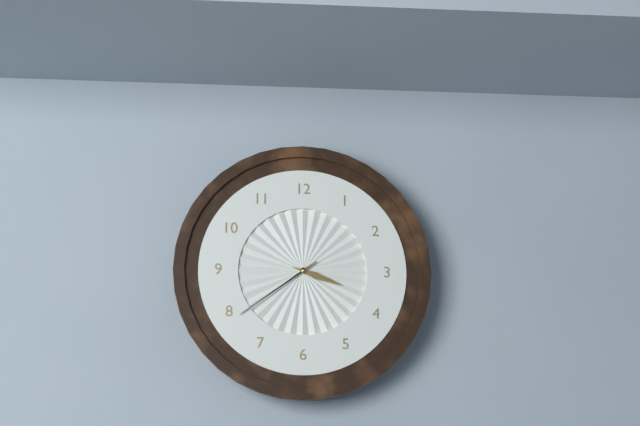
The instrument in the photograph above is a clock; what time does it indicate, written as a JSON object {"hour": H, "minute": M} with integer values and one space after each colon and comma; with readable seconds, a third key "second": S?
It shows {"hour": 3, "minute": 39}
